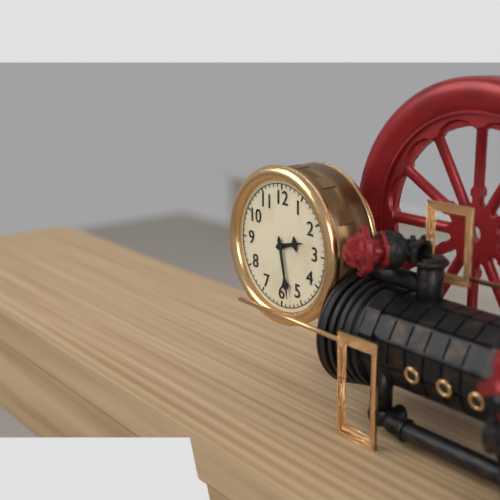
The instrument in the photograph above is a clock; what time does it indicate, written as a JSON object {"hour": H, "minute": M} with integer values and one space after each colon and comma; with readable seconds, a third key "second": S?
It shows {"hour": 2, "minute": 28}
